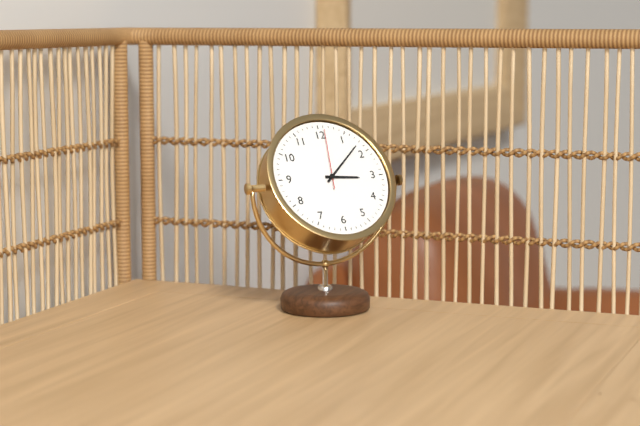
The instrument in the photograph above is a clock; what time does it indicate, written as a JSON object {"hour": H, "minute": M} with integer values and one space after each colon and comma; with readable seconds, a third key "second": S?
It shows {"hour": 3, "minute": 8, "second": 1}
